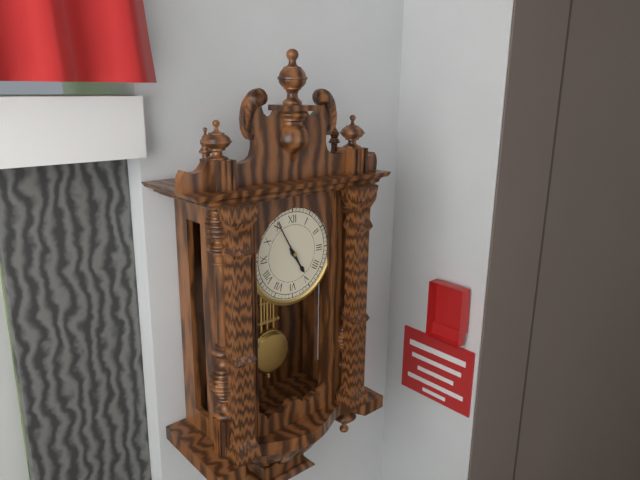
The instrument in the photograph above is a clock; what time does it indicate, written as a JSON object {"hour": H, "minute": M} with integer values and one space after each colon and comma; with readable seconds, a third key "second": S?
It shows {"hour": 4, "minute": 55}
